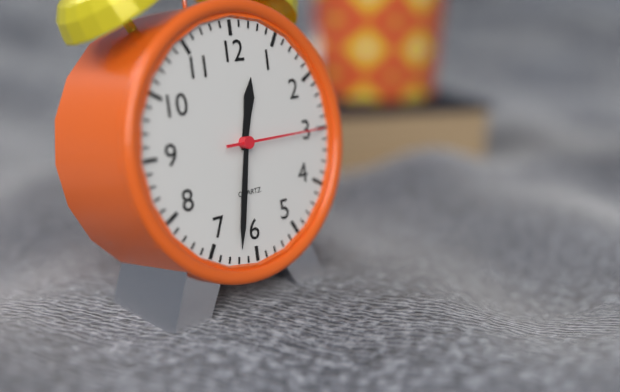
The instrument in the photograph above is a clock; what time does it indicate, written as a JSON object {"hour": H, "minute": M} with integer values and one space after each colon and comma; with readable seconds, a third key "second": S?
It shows {"hour": 12, "minute": 32, "second": 15}
